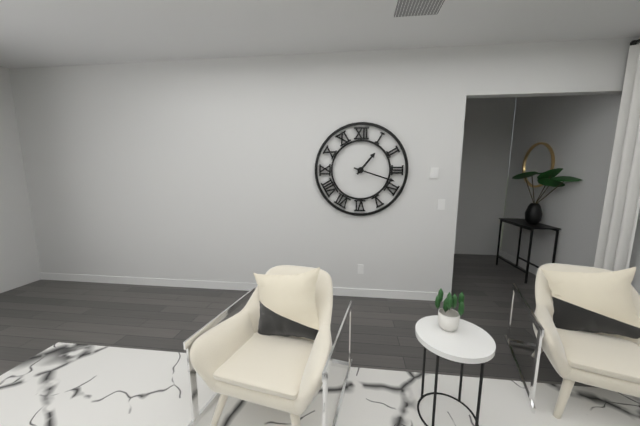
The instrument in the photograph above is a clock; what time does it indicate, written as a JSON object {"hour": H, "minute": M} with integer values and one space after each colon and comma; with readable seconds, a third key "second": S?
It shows {"hour": 1, "minute": 18}
